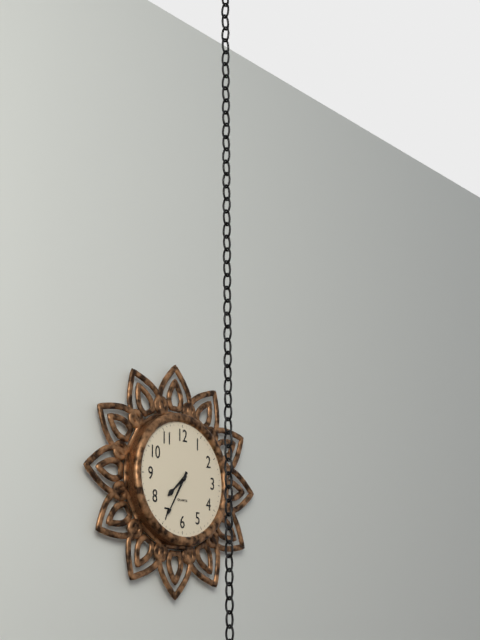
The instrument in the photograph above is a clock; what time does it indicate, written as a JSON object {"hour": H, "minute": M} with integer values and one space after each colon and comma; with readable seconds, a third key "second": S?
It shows {"hour": 7, "minute": 35}
